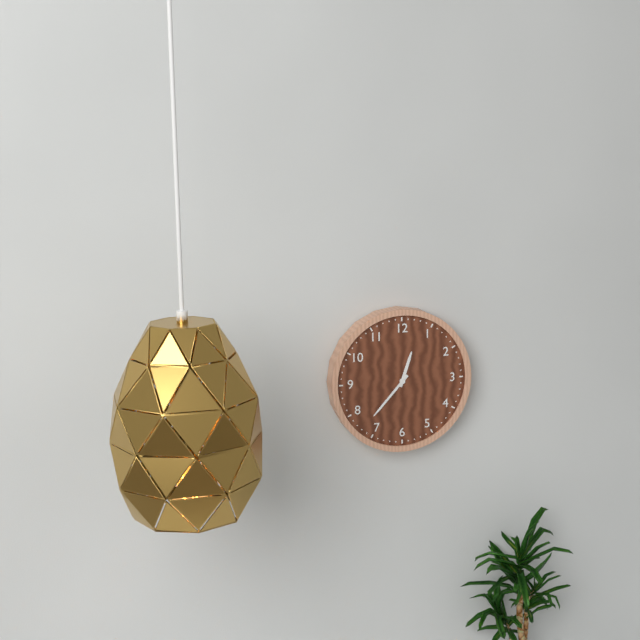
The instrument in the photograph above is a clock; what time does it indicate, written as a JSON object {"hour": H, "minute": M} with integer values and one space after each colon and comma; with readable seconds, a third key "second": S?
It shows {"hour": 12, "minute": 37}
